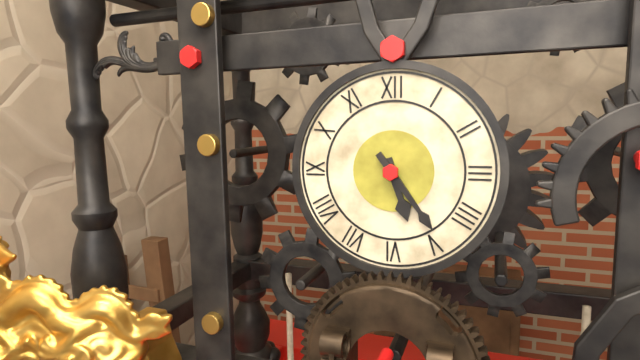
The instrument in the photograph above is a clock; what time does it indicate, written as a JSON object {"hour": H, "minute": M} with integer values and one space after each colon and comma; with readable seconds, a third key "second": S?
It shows {"hour": 5, "minute": 24}
